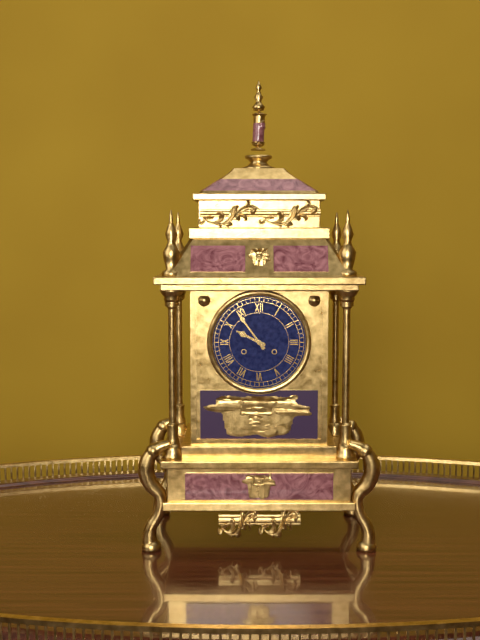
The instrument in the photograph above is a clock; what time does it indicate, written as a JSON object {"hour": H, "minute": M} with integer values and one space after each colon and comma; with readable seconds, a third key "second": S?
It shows {"hour": 9, "minute": 54}
